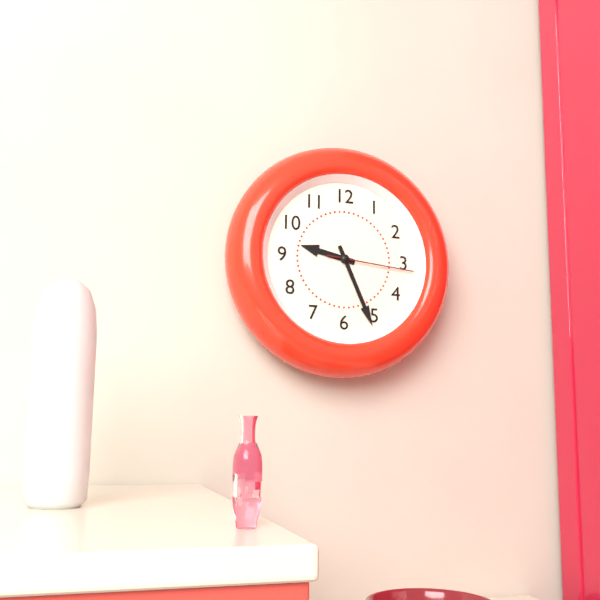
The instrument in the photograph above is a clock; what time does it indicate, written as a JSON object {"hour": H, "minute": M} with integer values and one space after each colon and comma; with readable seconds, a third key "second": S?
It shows {"hour": 9, "minute": 26, "second": 16}
